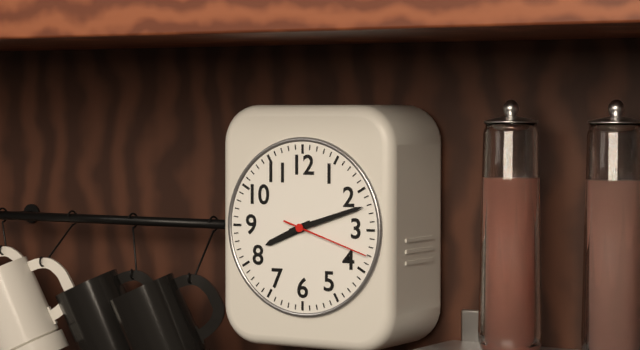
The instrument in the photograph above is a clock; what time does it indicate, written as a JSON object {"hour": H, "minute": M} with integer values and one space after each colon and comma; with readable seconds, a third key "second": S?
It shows {"hour": 8, "minute": 12, "second": 18}
